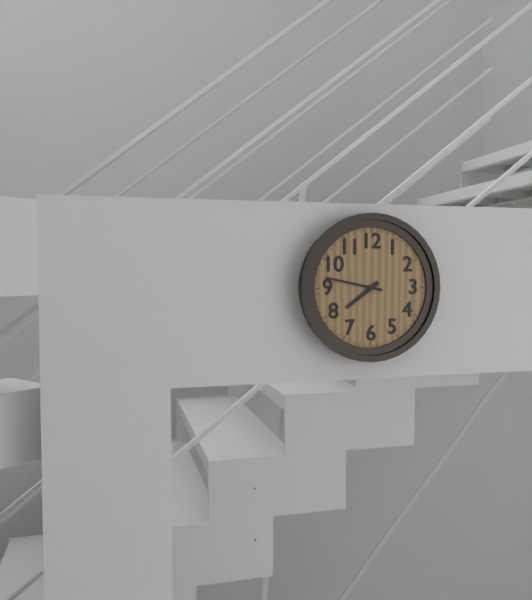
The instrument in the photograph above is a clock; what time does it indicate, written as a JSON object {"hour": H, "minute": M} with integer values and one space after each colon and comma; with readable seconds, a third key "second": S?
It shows {"hour": 7, "minute": 47}
